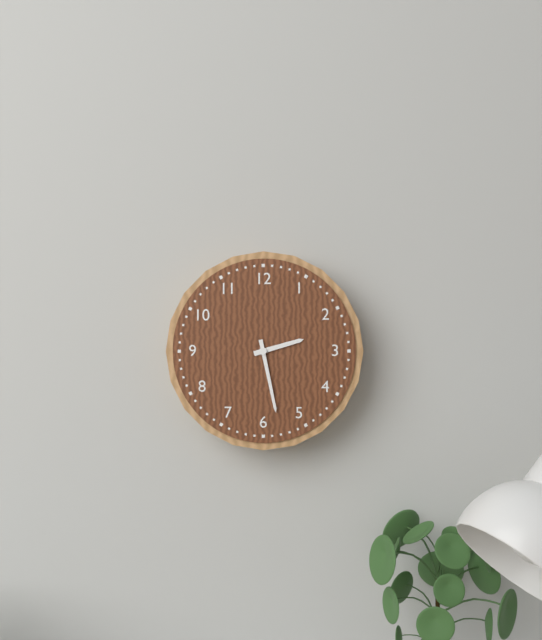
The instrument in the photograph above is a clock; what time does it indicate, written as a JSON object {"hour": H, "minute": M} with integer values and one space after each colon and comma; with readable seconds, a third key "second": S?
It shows {"hour": 2, "minute": 28}
